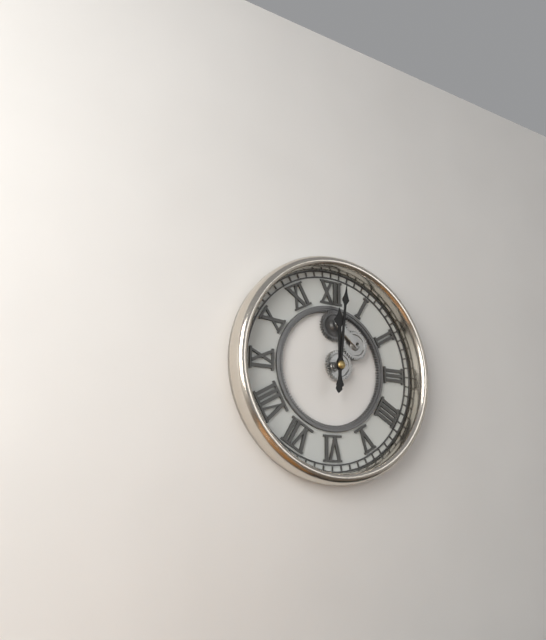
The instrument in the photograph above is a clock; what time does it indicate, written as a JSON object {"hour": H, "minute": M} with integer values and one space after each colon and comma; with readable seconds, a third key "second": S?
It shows {"hour": 12, "minute": 1}
